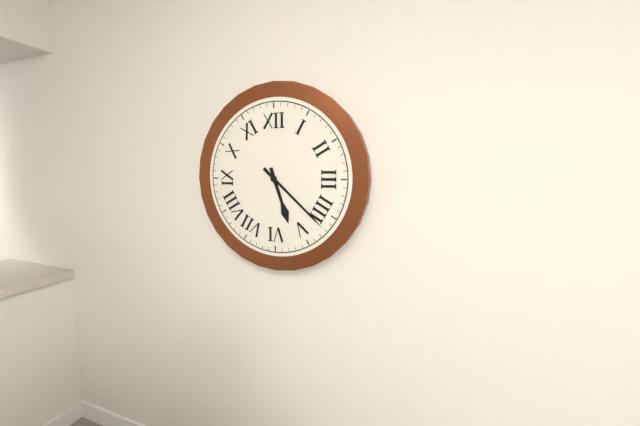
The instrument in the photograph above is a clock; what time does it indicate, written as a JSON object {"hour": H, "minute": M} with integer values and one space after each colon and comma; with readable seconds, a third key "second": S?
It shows {"hour": 5, "minute": 22}
